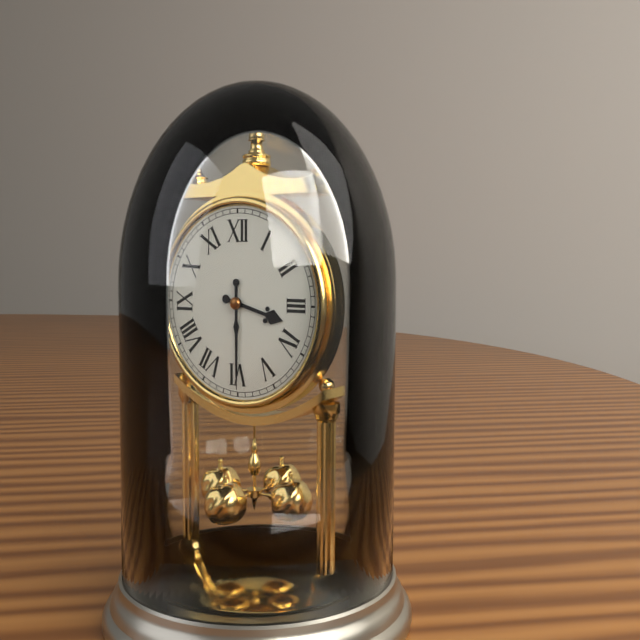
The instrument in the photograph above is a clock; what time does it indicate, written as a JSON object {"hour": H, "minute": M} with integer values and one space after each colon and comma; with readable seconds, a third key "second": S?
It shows {"hour": 3, "minute": 30}
